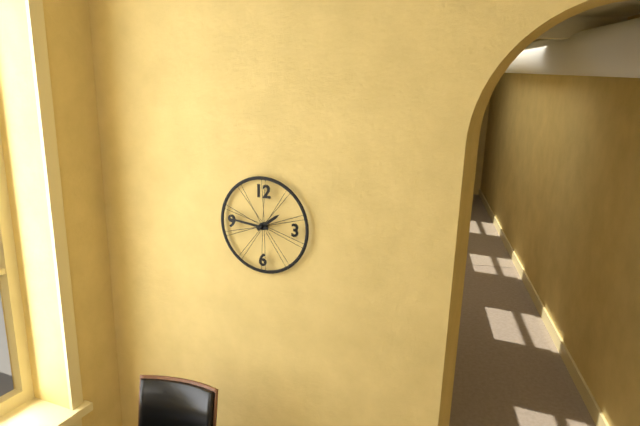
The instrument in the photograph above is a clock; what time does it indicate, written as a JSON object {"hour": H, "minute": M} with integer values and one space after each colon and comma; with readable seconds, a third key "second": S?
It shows {"hour": 1, "minute": 46}
